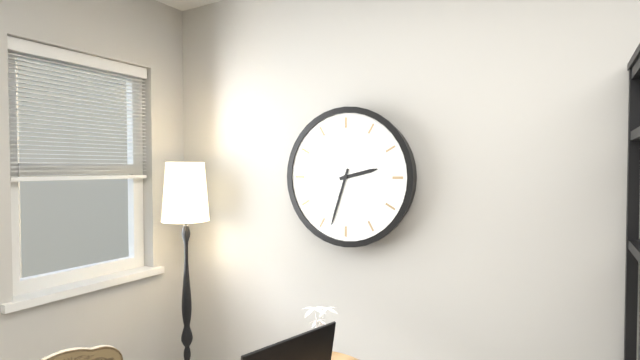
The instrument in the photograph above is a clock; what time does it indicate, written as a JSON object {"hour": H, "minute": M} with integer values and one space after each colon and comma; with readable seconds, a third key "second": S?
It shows {"hour": 2, "minute": 33}
